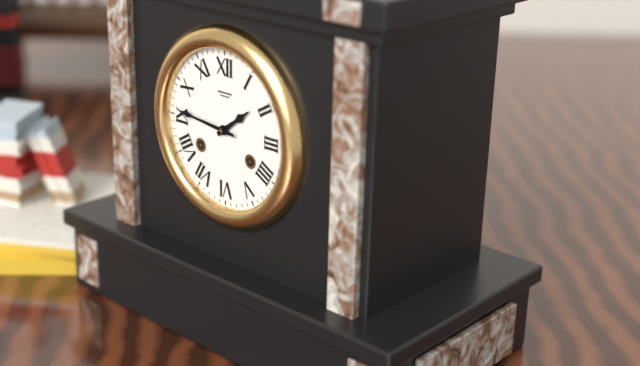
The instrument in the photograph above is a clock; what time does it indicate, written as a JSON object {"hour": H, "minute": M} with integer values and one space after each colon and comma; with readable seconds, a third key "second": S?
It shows {"hour": 1, "minute": 46}
